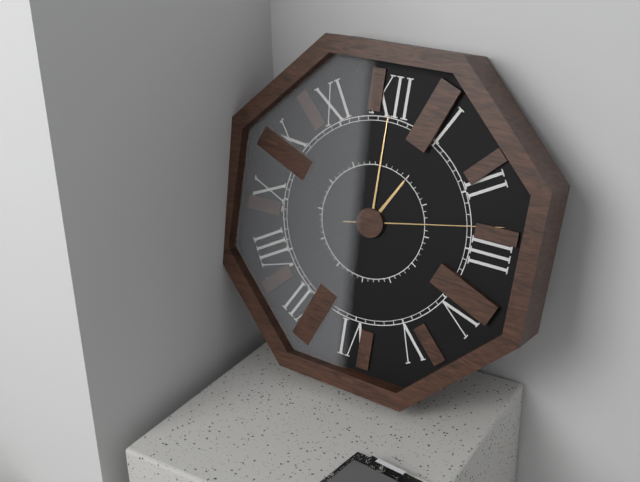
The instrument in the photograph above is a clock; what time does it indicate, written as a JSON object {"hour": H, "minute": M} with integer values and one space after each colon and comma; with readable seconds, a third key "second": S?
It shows {"hour": 1, "minute": 0, "second": 13}
